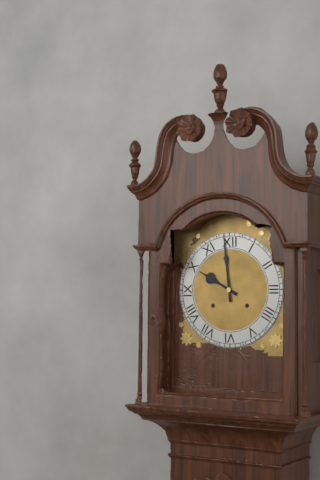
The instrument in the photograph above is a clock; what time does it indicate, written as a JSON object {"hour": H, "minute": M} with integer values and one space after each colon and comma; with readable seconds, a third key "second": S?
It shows {"hour": 9, "minute": 59}
